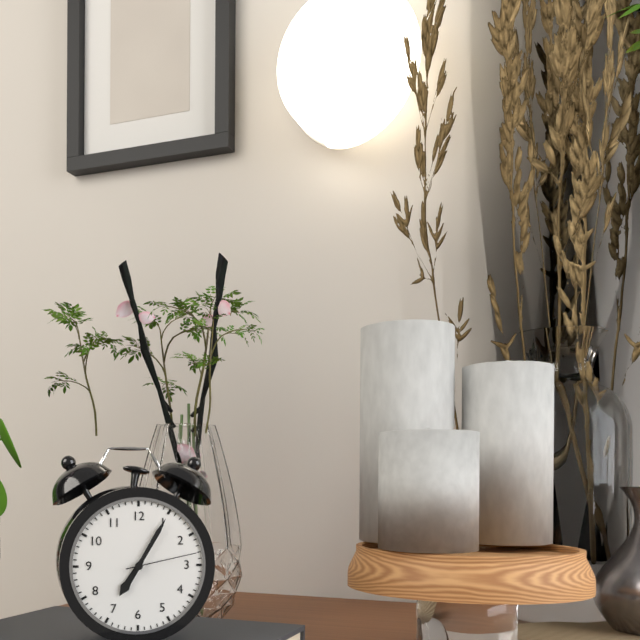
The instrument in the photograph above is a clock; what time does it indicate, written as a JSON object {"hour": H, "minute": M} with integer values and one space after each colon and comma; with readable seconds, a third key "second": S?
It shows {"hour": 7, "minute": 5, "second": 13}
